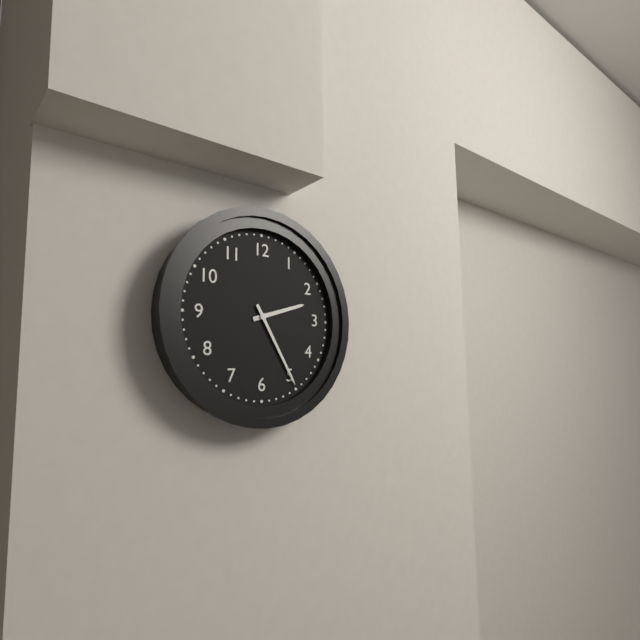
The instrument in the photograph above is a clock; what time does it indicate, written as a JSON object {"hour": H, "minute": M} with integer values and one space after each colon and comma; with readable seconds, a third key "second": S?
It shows {"hour": 2, "minute": 25}
